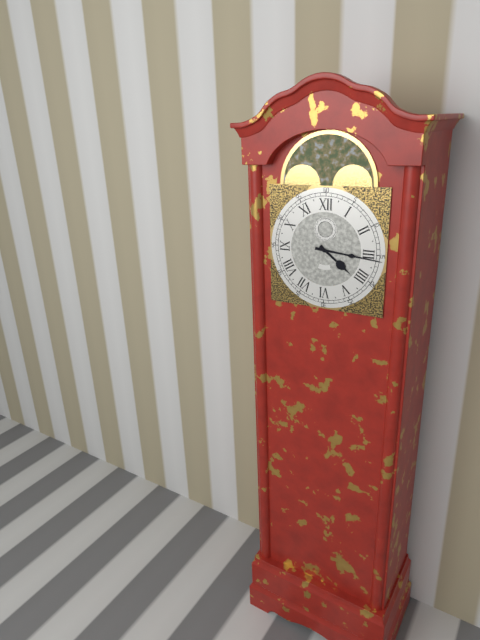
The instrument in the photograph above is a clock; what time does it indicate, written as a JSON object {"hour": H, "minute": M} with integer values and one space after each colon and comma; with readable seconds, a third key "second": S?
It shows {"hour": 4, "minute": 16}
